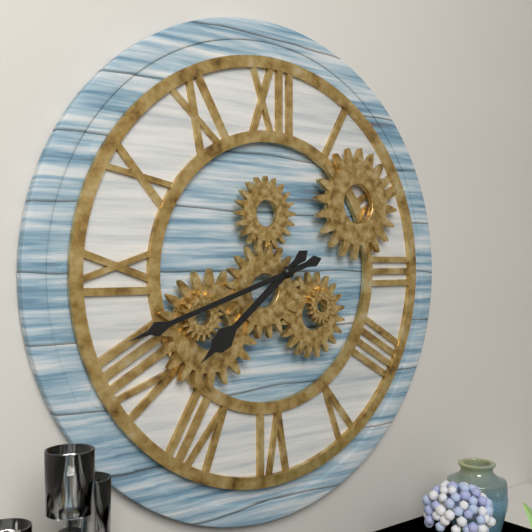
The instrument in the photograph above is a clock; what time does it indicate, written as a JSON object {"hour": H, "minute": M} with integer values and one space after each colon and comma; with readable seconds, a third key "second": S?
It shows {"hour": 7, "minute": 42}
